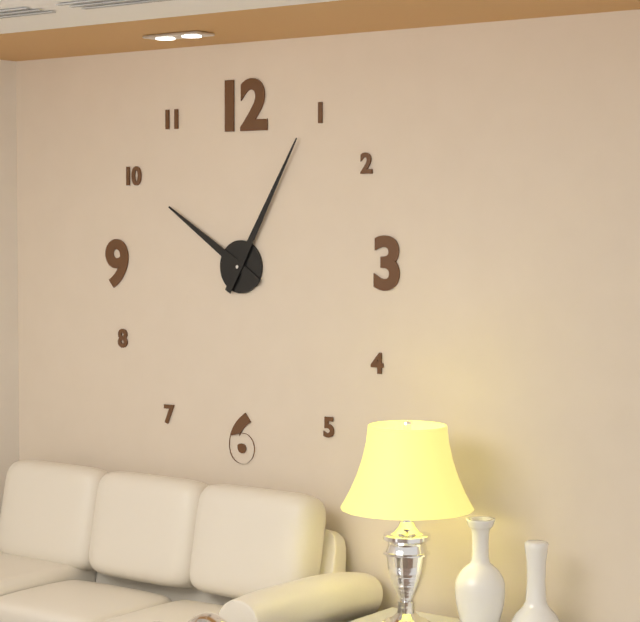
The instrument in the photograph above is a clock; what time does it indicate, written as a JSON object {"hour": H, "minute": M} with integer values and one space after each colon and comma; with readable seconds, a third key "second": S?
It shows {"hour": 10, "minute": 5}
